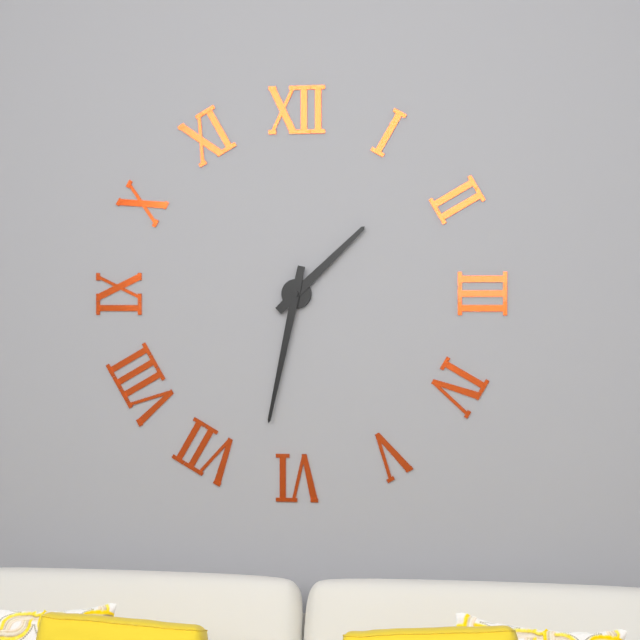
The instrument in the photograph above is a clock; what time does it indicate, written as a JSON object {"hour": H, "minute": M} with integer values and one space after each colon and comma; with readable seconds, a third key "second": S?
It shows {"hour": 1, "minute": 32}
